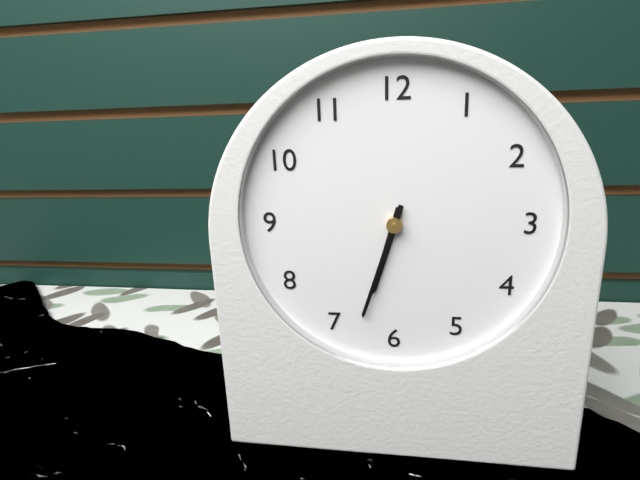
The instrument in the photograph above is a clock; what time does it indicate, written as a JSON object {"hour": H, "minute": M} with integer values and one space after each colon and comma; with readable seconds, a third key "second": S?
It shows {"hour": 6, "minute": 33}
